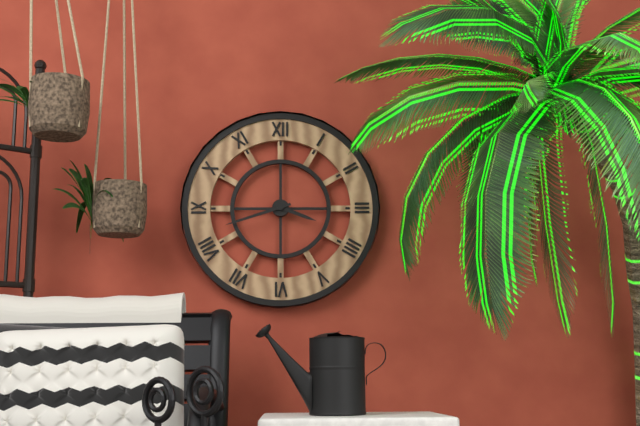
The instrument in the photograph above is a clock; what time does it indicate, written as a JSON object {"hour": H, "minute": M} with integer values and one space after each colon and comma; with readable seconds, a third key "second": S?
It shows {"hour": 3, "minute": 42}
